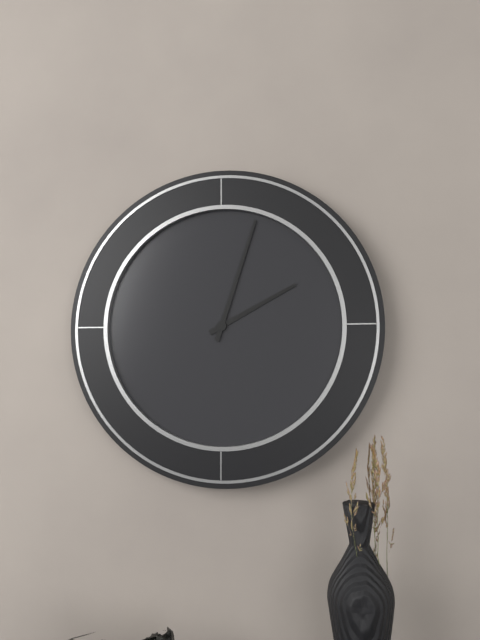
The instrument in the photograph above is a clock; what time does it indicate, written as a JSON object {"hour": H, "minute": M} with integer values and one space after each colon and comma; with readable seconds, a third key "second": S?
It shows {"hour": 2, "minute": 3}
